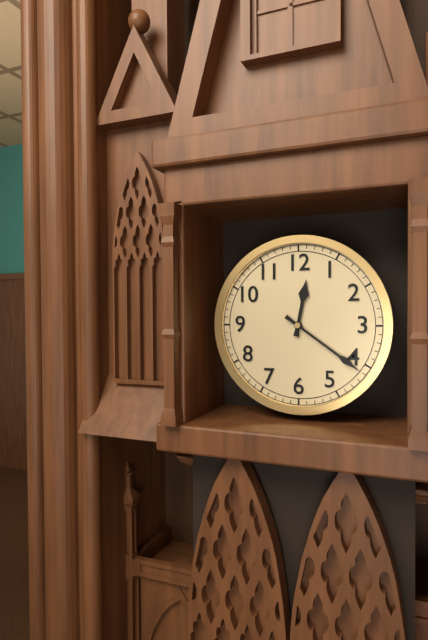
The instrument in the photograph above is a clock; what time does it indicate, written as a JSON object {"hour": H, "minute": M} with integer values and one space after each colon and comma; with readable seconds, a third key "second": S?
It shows {"hour": 12, "minute": 21}
